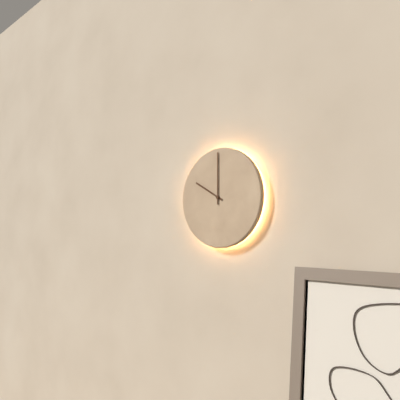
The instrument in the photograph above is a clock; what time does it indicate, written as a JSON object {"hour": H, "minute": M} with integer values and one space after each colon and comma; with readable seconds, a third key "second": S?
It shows {"hour": 10, "minute": 0}
